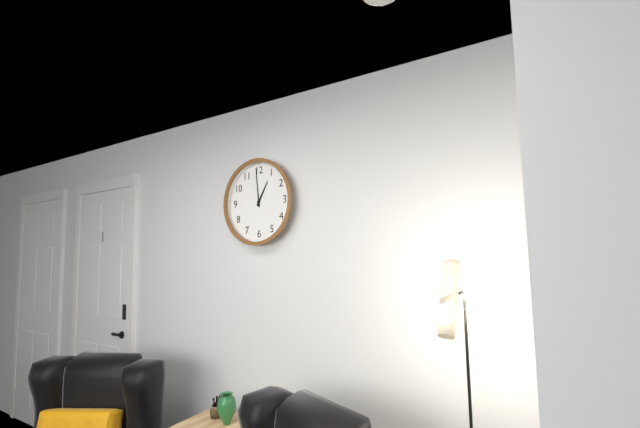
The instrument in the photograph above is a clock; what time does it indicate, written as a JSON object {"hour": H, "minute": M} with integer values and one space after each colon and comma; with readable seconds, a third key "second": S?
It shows {"hour": 12, "minute": 59}
